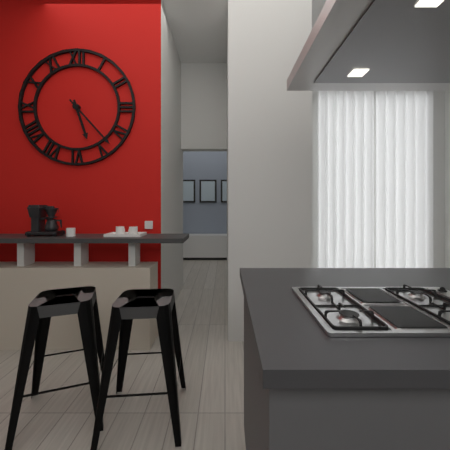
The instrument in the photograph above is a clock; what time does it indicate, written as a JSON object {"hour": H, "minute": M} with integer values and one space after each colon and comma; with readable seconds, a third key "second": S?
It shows {"hour": 5, "minute": 23}
